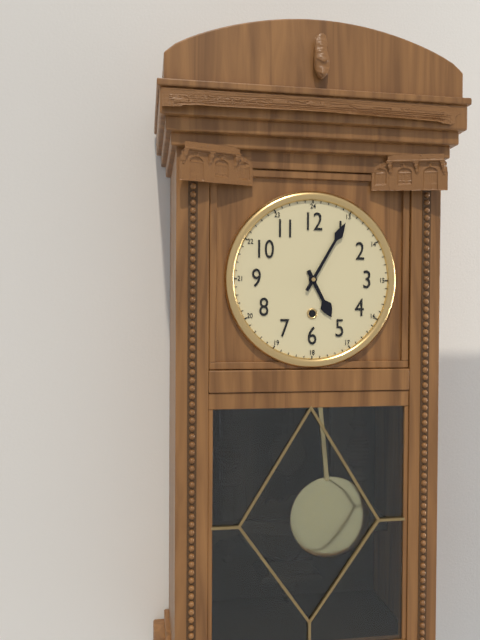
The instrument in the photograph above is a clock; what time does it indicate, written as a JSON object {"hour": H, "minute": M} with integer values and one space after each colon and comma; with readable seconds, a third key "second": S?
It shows {"hour": 5, "minute": 5}
